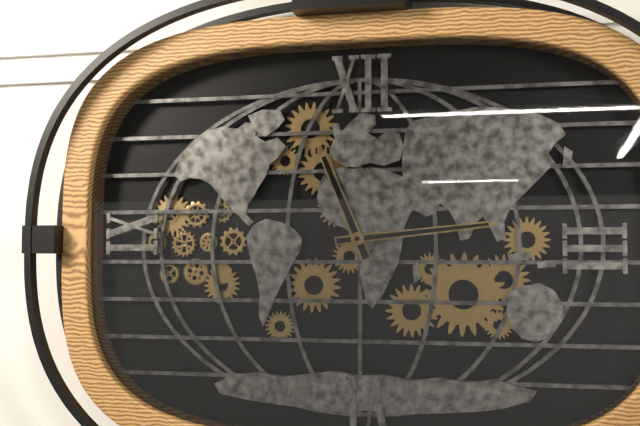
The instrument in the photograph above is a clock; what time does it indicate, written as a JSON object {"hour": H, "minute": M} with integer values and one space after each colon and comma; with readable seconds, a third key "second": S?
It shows {"hour": 11, "minute": 14}
